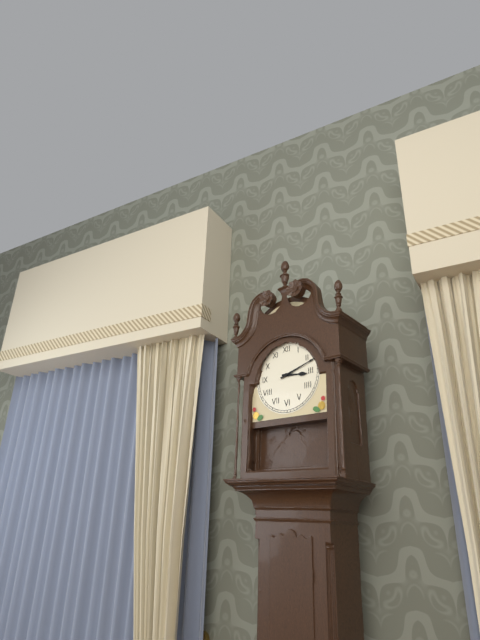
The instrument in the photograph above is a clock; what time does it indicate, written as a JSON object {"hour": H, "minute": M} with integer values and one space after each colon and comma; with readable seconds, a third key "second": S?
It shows {"hour": 3, "minute": 12}
